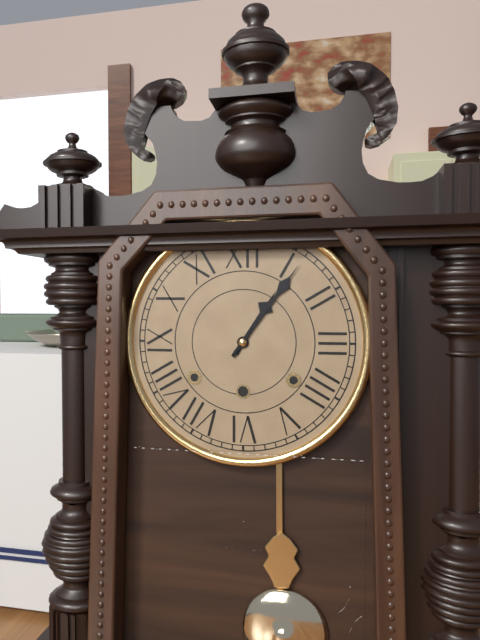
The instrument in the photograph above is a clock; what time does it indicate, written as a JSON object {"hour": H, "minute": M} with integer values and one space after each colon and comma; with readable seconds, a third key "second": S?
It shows {"hour": 1, "minute": 6}
